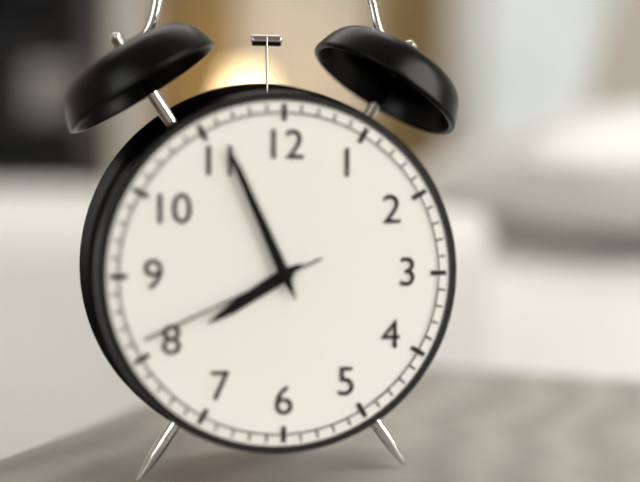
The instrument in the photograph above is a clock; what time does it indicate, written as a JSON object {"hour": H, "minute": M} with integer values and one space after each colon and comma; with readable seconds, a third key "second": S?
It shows {"hour": 7, "minute": 56, "second": 41}
